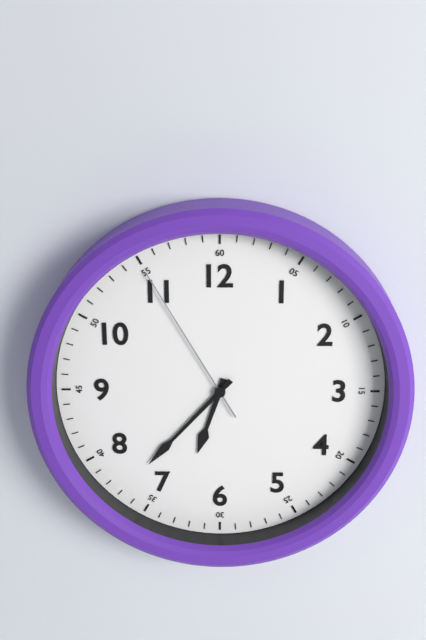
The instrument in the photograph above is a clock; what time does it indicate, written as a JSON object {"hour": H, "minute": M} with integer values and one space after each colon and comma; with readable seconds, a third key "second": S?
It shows {"hour": 6, "minute": 37, "second": 55}
